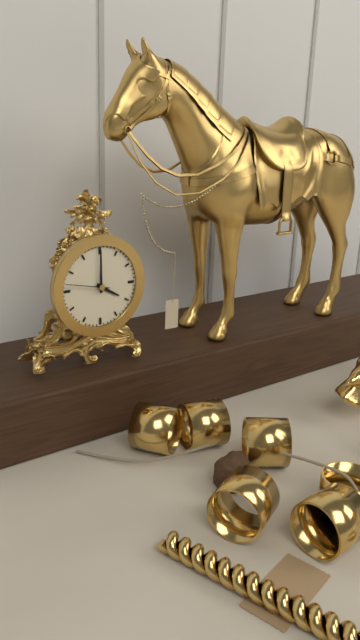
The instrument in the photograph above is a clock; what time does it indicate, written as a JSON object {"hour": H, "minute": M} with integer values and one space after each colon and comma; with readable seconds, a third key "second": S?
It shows {"hour": 4, "minute": 0}
